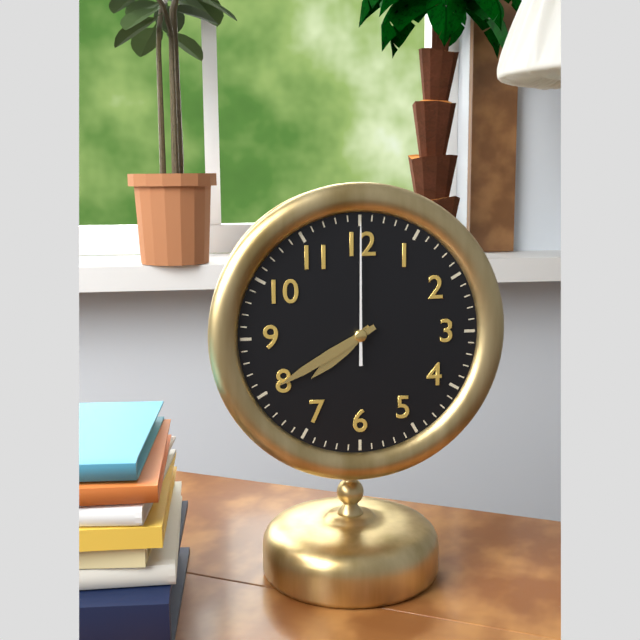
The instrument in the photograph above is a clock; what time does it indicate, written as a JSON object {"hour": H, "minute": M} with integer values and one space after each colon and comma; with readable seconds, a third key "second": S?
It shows {"hour": 7, "minute": 40, "second": 0}
